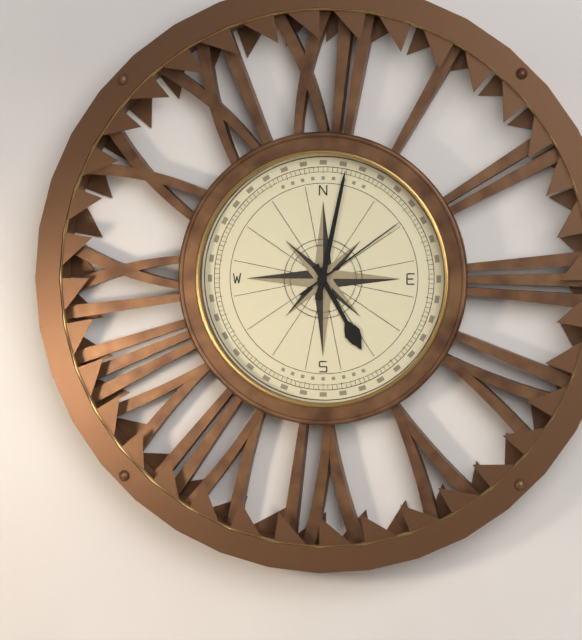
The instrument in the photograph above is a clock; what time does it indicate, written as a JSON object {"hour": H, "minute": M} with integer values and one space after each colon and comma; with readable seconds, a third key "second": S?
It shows {"hour": 5, "minute": 2, "second": 9}
